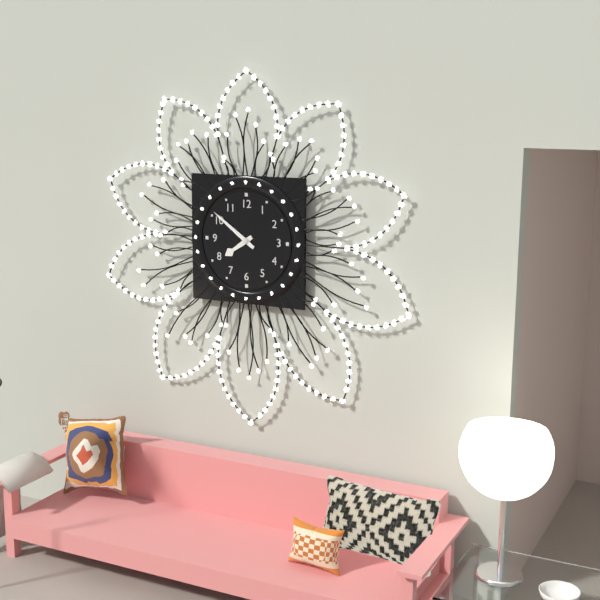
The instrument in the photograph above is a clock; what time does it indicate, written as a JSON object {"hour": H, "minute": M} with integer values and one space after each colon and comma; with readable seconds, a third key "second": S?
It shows {"hour": 7, "minute": 51}
